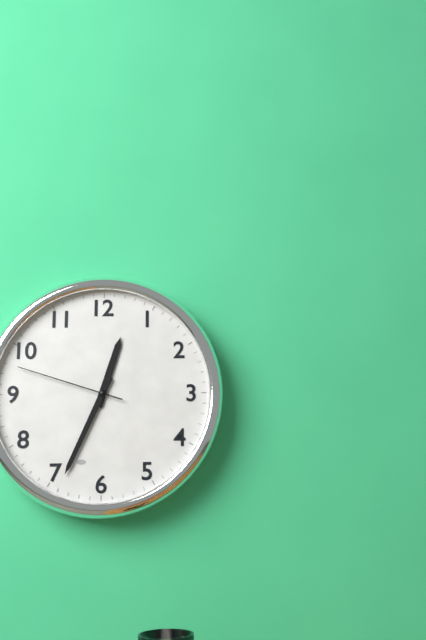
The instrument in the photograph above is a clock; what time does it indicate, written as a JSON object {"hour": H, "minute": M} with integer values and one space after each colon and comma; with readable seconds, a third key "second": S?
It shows {"hour": 12, "minute": 34, "second": 48}
